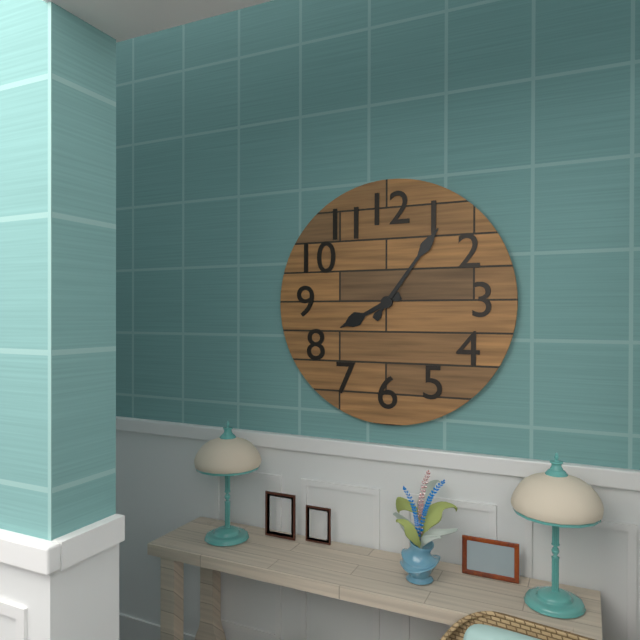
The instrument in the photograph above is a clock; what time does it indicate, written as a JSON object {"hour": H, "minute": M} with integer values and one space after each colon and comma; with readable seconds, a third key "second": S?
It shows {"hour": 8, "minute": 6}
